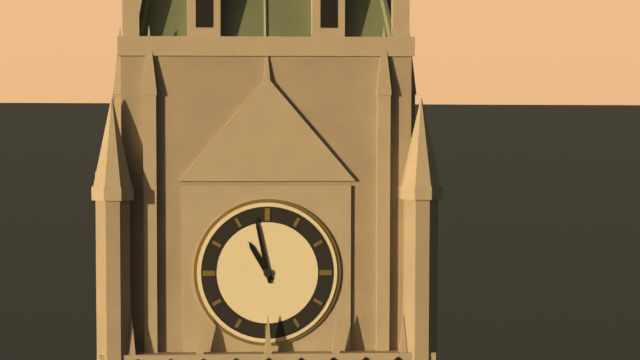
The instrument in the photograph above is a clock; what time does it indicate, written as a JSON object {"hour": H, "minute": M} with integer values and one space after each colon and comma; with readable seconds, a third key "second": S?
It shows {"hour": 10, "minute": 58}
